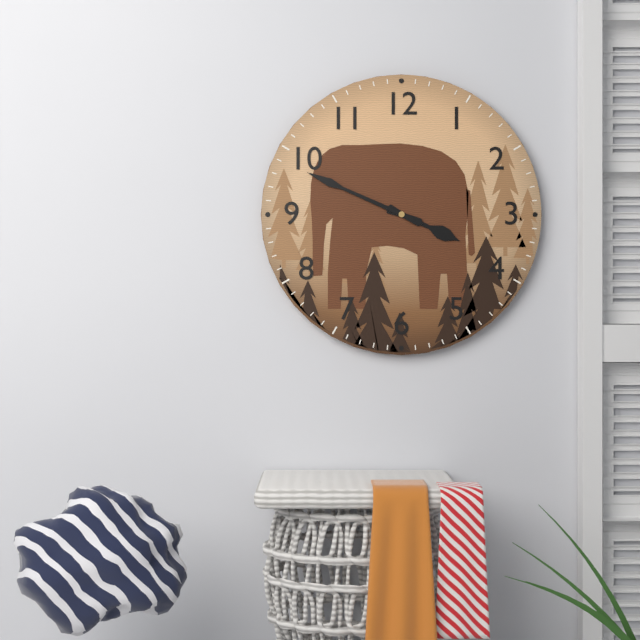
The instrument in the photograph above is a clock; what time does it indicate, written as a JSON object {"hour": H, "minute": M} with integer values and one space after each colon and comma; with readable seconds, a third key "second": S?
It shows {"hour": 3, "minute": 49}
